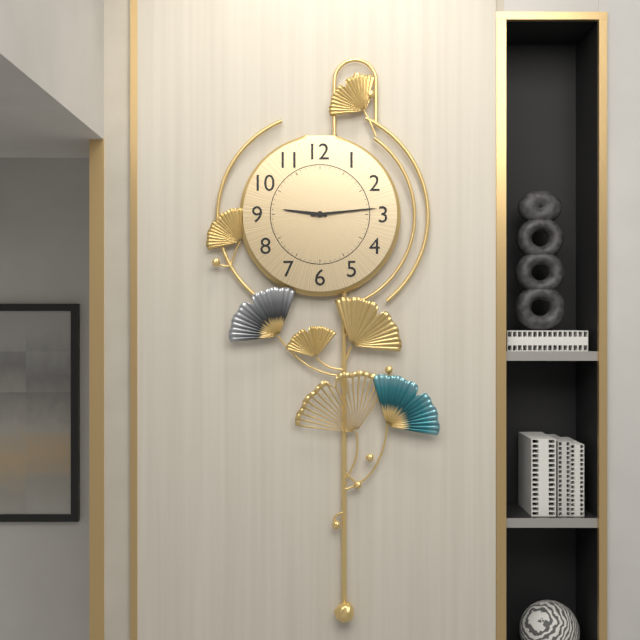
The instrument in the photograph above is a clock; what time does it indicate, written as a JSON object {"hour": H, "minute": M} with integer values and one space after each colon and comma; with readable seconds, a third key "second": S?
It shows {"hour": 9, "minute": 14}
